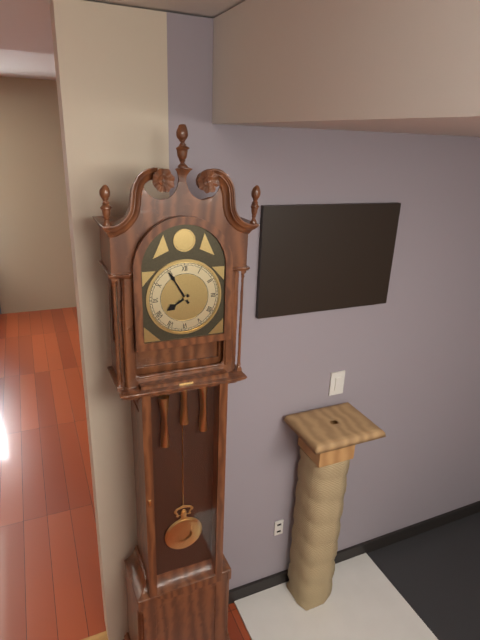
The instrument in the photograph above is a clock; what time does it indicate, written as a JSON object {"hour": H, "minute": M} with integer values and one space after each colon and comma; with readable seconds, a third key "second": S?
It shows {"hour": 7, "minute": 55}
